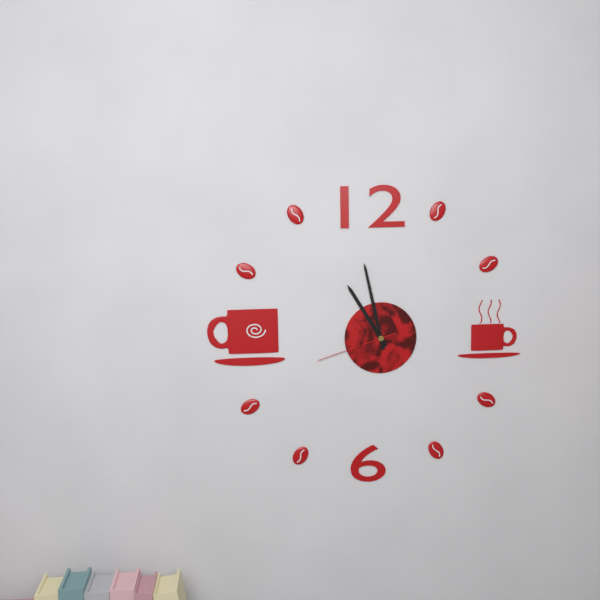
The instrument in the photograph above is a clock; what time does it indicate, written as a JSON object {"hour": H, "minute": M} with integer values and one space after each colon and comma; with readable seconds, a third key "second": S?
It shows {"hour": 10, "minute": 58, "second": 42}
